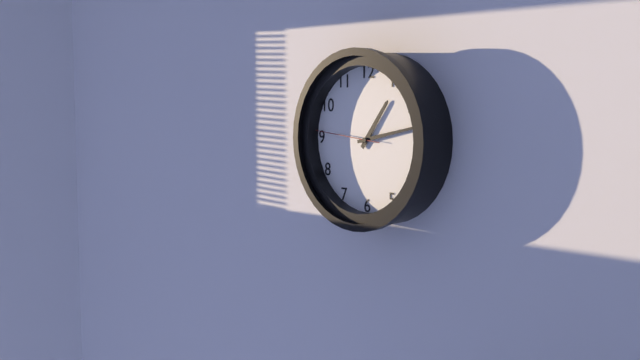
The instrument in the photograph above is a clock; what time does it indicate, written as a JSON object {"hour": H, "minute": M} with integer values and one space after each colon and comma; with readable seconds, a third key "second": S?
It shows {"hour": 1, "minute": 13, "second": 46}
